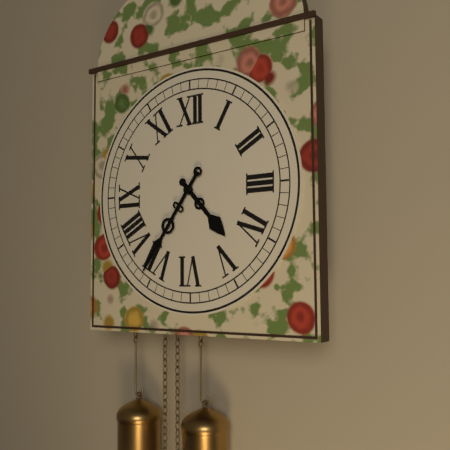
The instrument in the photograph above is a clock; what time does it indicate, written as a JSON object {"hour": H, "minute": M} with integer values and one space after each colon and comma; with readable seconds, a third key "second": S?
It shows {"hour": 4, "minute": 36}
